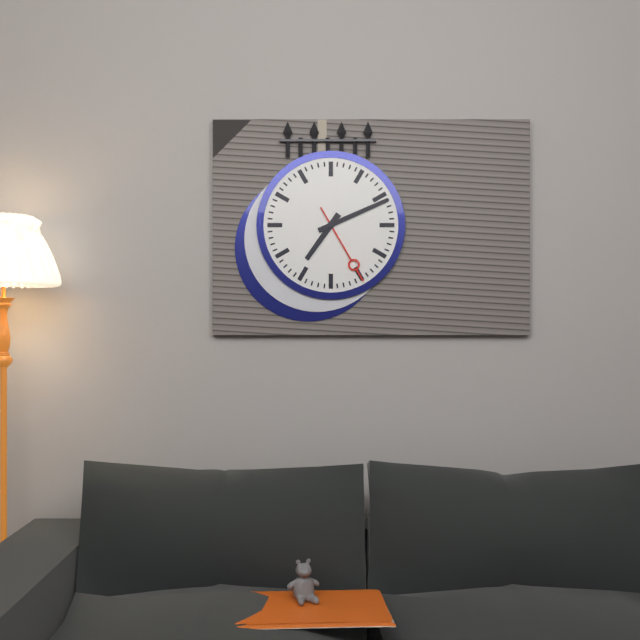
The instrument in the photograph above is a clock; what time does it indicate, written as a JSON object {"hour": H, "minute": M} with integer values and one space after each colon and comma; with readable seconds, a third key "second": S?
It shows {"hour": 7, "minute": 11, "second": 25}
